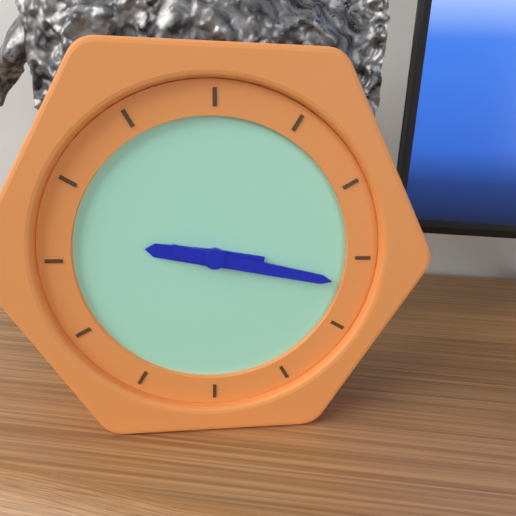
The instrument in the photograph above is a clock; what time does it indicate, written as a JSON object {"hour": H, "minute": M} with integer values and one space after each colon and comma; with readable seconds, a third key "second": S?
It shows {"hour": 9, "minute": 17}
